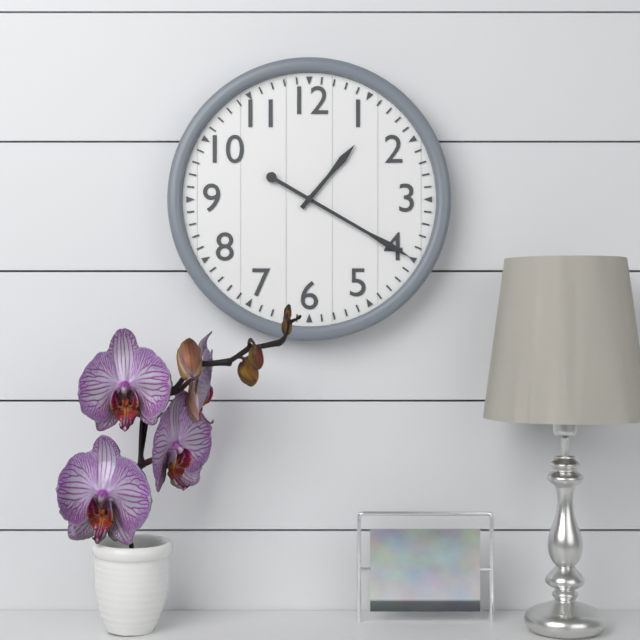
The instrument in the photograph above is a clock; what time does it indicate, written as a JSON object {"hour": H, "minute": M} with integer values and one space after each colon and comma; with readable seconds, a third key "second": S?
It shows {"hour": 1, "minute": 20}
